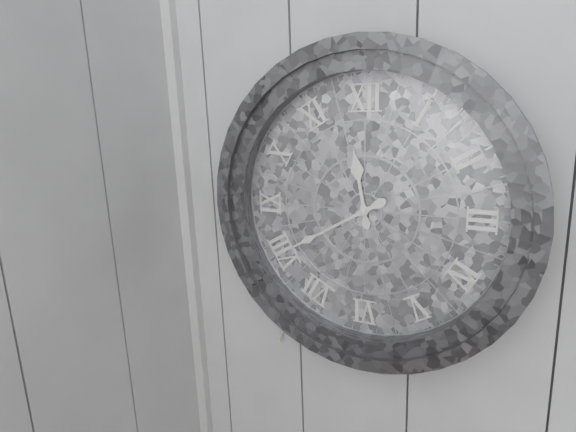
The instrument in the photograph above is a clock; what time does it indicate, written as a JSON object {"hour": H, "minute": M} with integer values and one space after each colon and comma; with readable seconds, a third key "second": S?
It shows {"hour": 11, "minute": 40}
